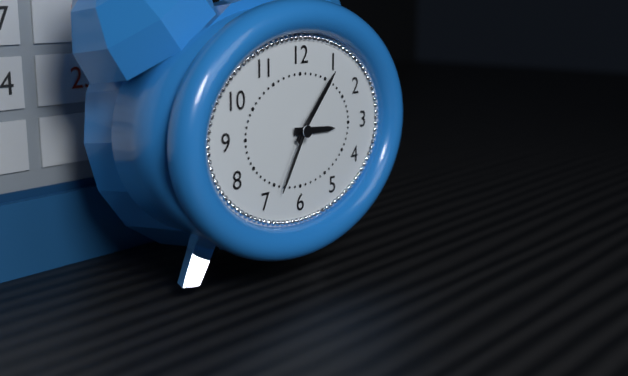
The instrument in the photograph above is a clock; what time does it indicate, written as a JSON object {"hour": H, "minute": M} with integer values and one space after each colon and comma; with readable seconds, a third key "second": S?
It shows {"hour": 3, "minute": 7, "second": 35}
